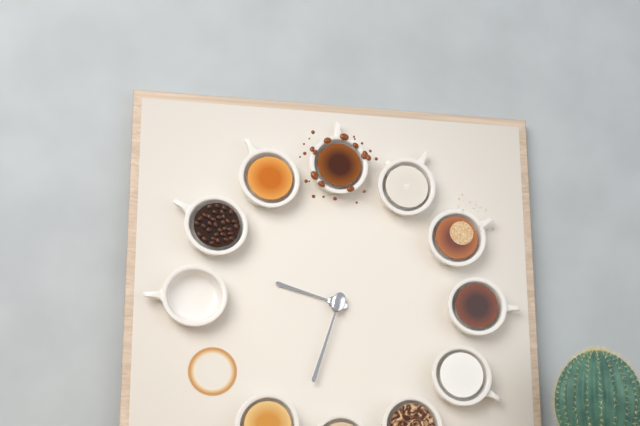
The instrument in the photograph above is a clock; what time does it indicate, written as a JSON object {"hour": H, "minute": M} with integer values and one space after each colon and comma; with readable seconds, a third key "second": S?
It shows {"hour": 9, "minute": 33}
